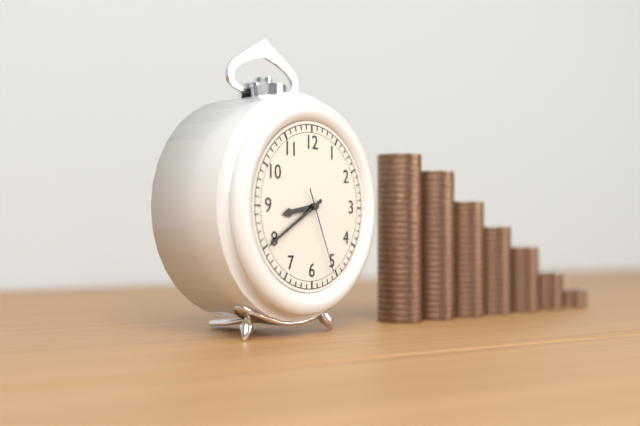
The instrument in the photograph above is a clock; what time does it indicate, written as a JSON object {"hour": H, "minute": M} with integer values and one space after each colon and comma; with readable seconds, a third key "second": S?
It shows {"hour": 8, "minute": 40, "second": 26}
